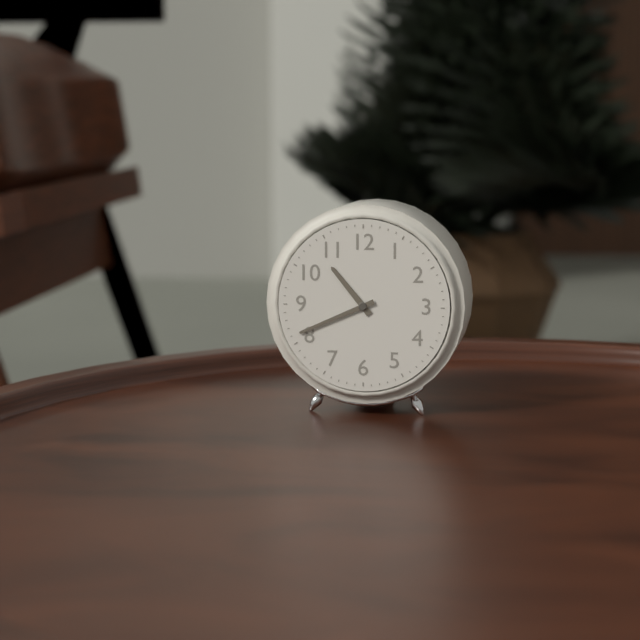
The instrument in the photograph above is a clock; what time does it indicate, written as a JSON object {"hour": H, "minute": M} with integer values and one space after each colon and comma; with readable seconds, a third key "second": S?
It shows {"hour": 10, "minute": 41}
